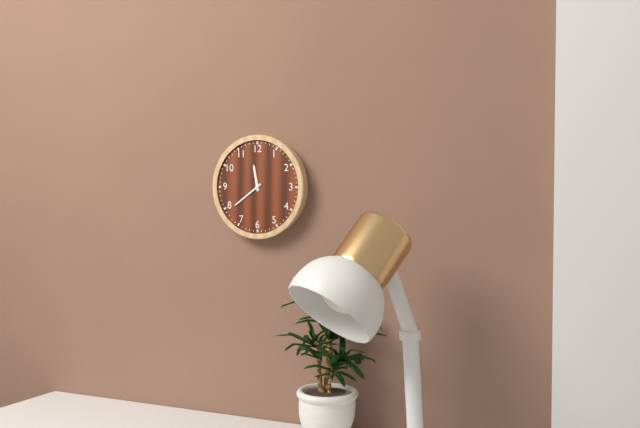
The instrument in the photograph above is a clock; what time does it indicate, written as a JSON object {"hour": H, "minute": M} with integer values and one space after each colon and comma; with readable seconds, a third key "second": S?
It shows {"hour": 11, "minute": 39}
